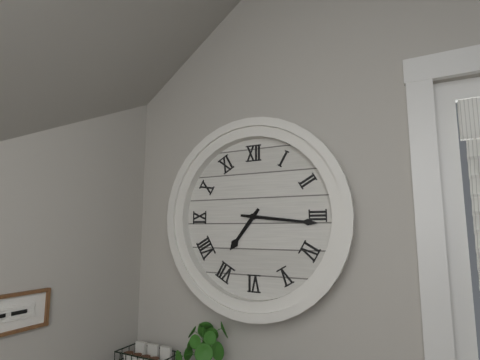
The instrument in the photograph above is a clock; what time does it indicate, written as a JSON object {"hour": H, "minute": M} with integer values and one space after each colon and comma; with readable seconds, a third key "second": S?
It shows {"hour": 7, "minute": 16}
